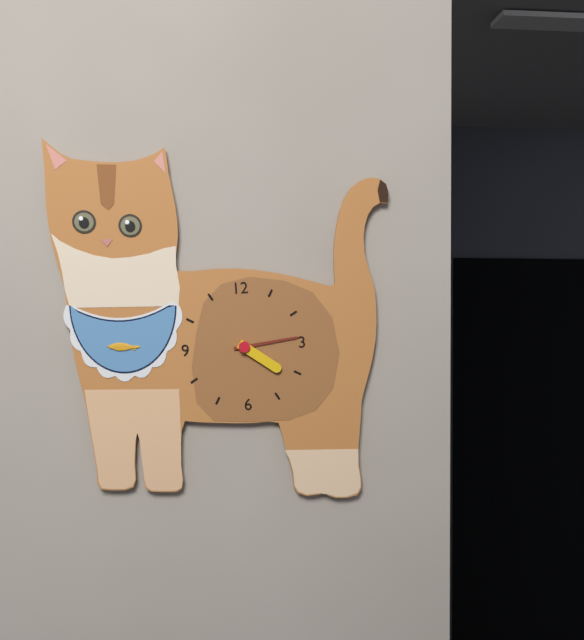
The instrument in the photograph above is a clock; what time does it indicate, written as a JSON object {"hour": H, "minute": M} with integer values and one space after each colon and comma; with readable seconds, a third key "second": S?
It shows {"hour": 4, "minute": 14}
